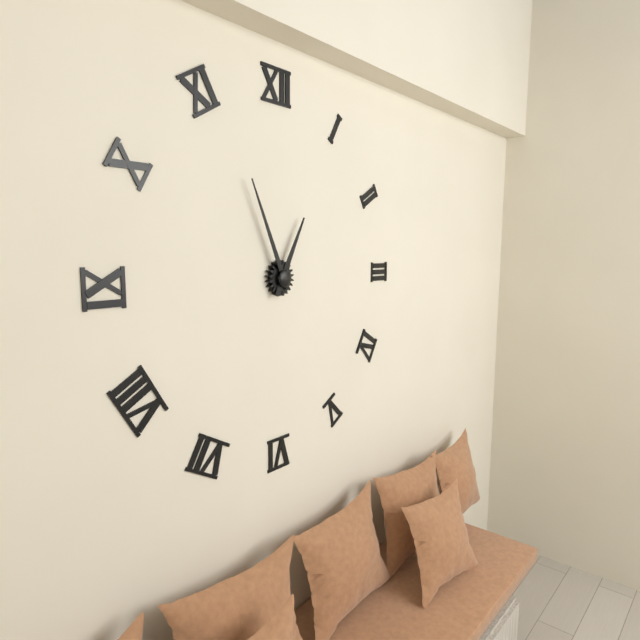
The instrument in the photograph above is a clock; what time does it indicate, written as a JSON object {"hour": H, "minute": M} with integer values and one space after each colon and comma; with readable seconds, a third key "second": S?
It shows {"hour": 12, "minute": 56}
